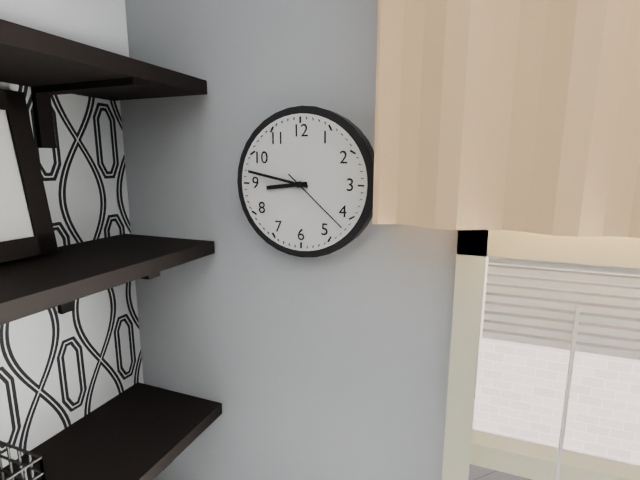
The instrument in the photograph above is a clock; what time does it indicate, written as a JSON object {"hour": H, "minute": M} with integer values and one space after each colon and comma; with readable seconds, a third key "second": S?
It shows {"hour": 8, "minute": 47, "second": 22}
